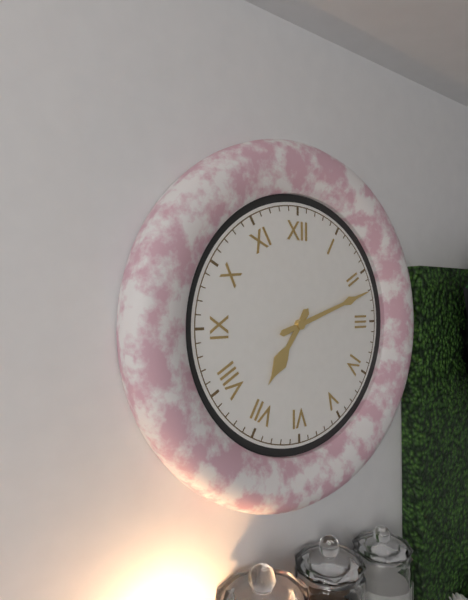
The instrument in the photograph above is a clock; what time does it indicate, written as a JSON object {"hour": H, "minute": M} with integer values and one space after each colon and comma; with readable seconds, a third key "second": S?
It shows {"hour": 7, "minute": 12}
